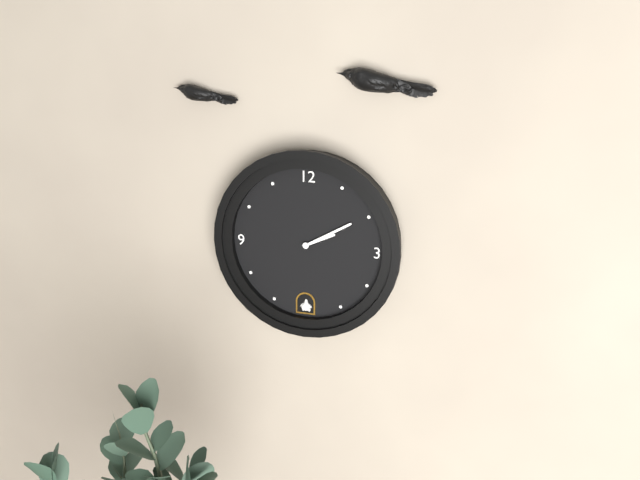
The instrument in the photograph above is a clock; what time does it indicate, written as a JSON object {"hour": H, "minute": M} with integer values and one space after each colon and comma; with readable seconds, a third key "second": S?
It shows {"hour": 2, "minute": 10}
